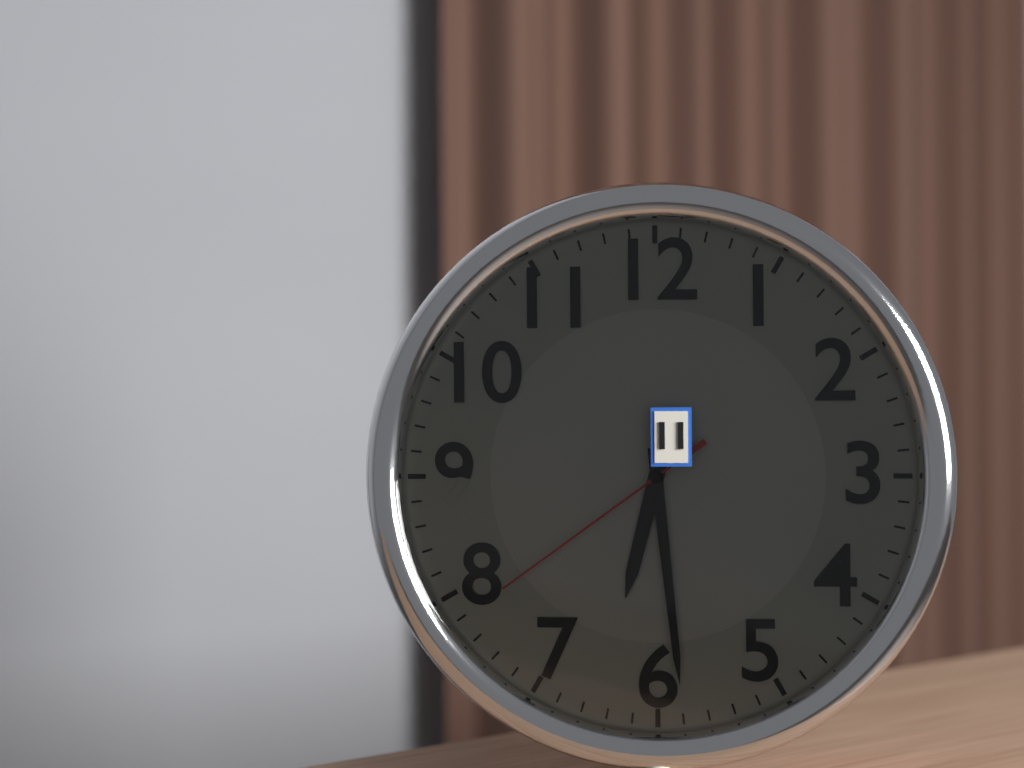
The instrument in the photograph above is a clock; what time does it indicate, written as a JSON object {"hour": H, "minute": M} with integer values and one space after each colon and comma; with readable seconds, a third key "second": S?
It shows {"hour": 6, "minute": 29, "second": 39}
